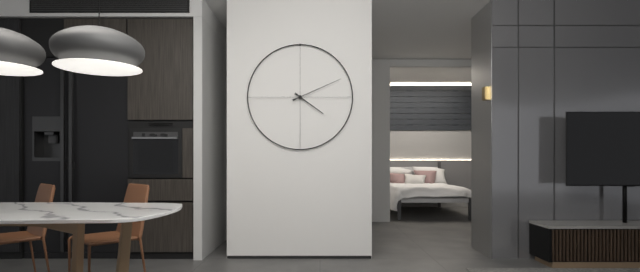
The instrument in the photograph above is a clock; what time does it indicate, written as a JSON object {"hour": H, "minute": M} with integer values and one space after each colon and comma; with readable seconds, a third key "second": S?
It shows {"hour": 4, "minute": 11}
